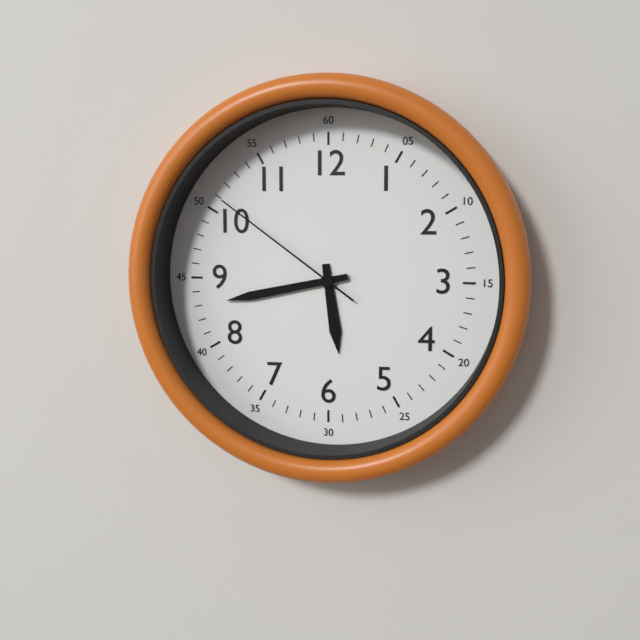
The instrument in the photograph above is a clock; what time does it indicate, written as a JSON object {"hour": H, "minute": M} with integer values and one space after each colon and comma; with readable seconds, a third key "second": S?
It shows {"hour": 5, "minute": 43, "second": 51}
